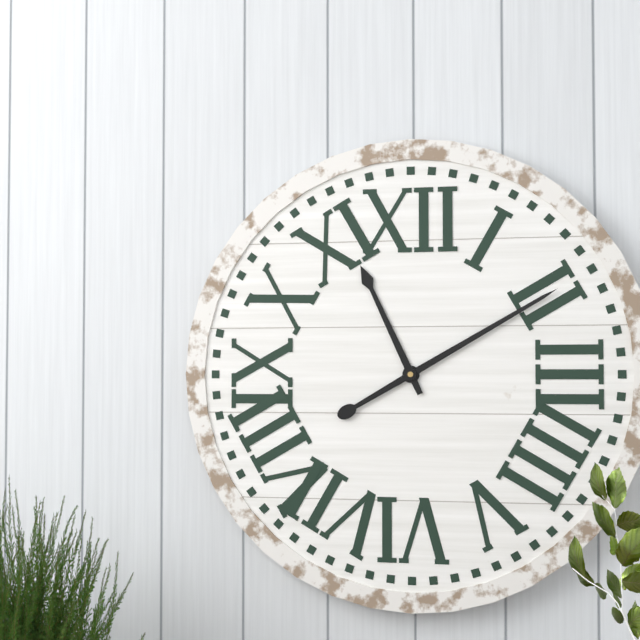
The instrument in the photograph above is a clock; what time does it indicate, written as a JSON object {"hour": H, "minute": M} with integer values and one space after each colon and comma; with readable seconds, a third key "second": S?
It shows {"hour": 11, "minute": 10}
